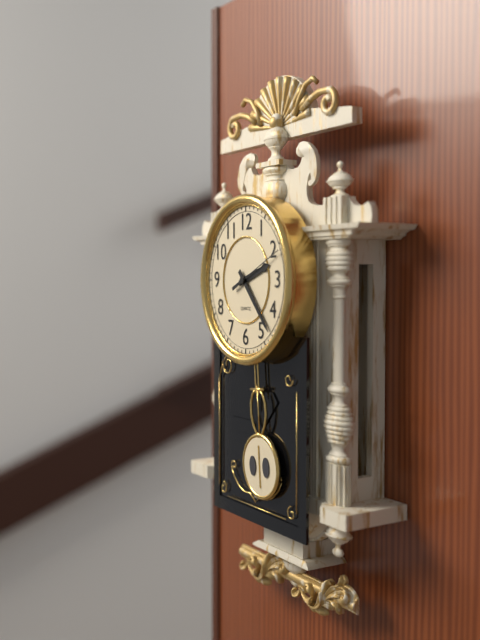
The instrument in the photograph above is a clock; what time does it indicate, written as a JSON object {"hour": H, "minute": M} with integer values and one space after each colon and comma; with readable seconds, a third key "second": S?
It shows {"hour": 2, "minute": 23, "second": 11}
